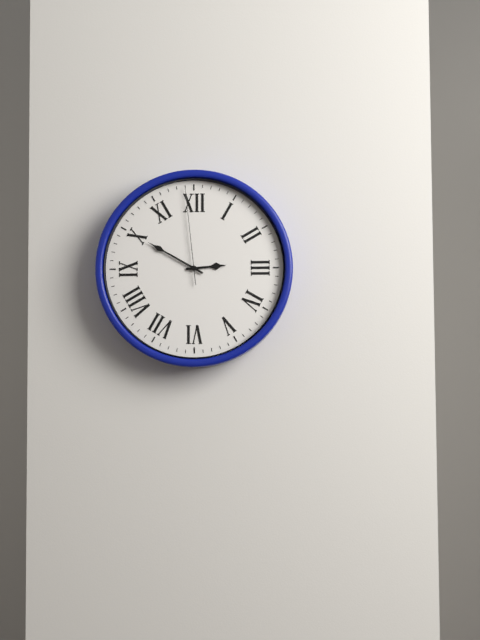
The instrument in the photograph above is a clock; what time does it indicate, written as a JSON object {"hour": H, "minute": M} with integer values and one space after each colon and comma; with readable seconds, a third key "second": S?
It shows {"hour": 2, "minute": 50, "second": 59}
